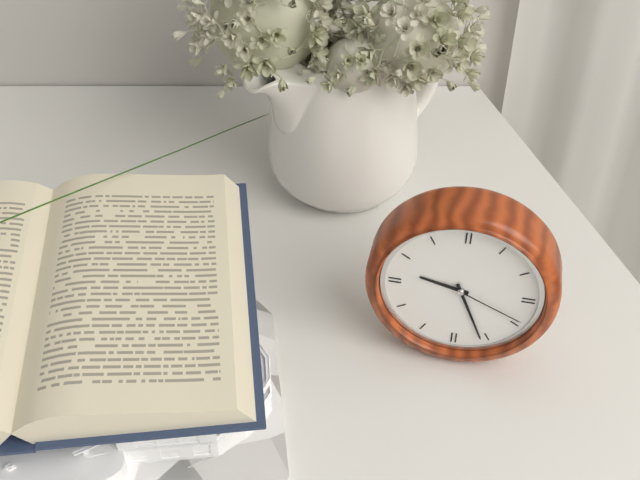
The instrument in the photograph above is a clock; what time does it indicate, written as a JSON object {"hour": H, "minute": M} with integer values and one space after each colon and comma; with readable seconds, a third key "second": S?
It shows {"hour": 9, "minute": 26, "second": 19}
